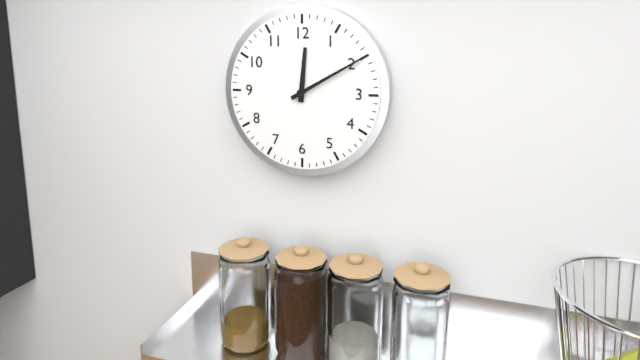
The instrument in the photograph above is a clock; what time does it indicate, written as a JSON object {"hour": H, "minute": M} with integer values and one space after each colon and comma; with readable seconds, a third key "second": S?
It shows {"hour": 12, "minute": 10}
